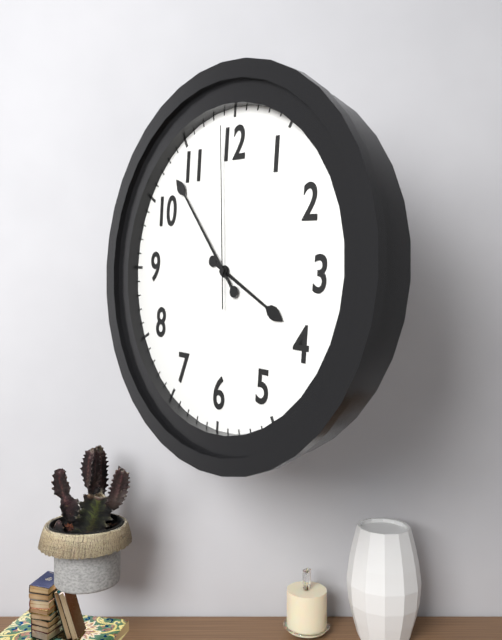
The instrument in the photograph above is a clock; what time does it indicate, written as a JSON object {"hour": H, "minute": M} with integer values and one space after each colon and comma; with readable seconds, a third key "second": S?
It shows {"hour": 3, "minute": 53, "second": 59}
